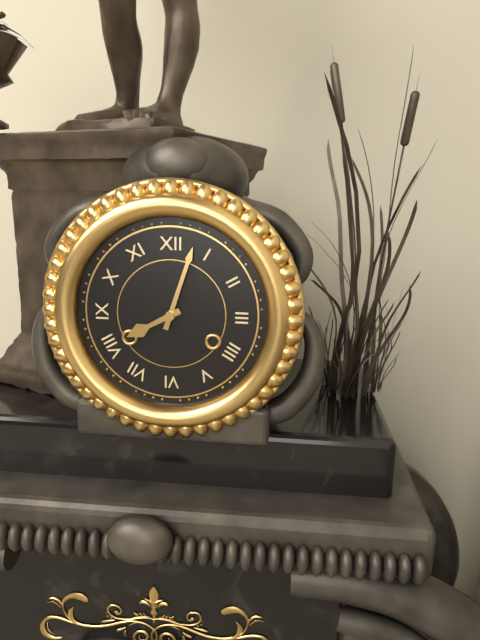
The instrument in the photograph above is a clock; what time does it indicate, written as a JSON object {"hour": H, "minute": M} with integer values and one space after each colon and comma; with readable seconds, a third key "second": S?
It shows {"hour": 8, "minute": 3}
